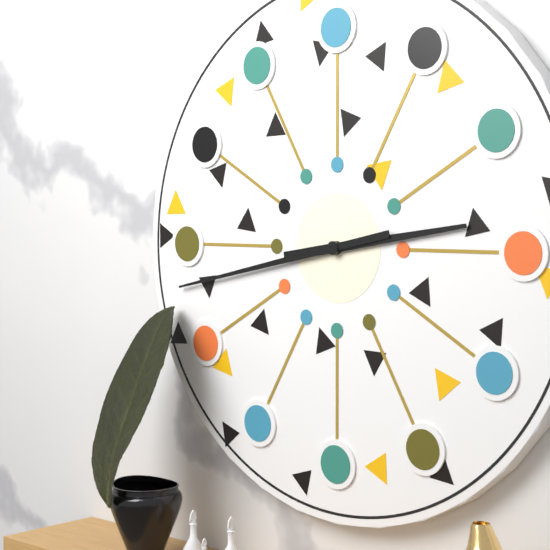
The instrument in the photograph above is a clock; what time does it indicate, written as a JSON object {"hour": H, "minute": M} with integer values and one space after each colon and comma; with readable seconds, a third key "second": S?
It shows {"hour": 2, "minute": 43}
